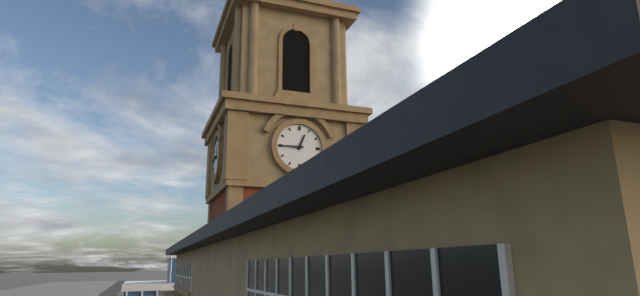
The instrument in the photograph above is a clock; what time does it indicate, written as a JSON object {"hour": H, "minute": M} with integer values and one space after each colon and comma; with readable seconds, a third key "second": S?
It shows {"hour": 12, "minute": 45}
